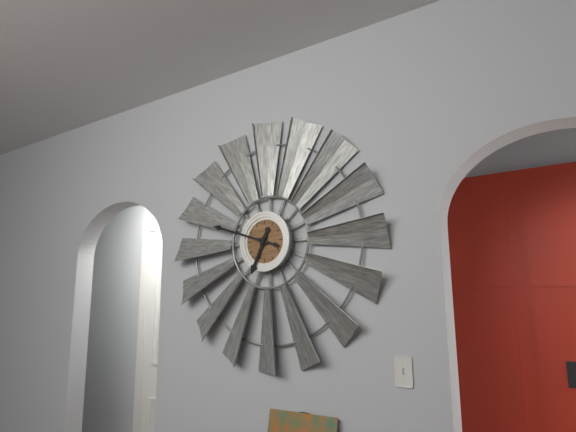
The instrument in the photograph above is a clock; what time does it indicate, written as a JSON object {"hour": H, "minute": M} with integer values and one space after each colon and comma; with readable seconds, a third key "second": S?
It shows {"hour": 6, "minute": 48}
